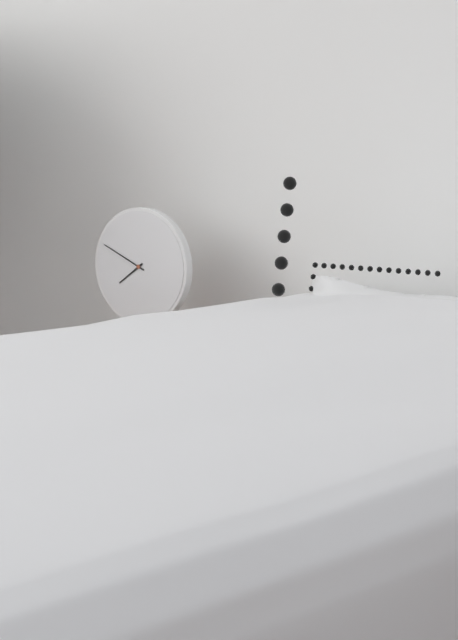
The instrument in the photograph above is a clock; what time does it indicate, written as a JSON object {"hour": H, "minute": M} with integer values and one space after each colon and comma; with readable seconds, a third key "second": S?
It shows {"hour": 7, "minute": 49}
